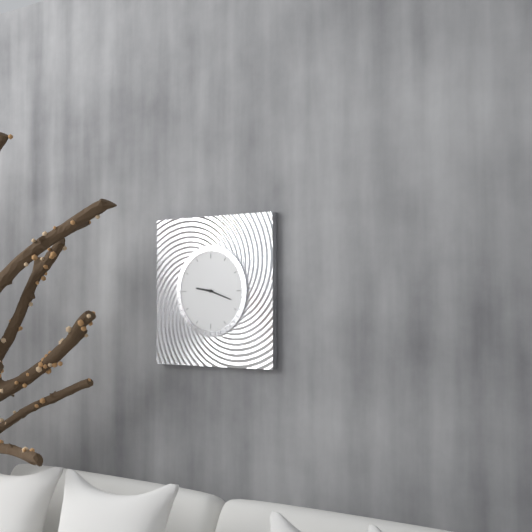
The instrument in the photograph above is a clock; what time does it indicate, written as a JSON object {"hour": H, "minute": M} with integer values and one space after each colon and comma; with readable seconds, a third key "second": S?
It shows {"hour": 9, "minute": 18}
